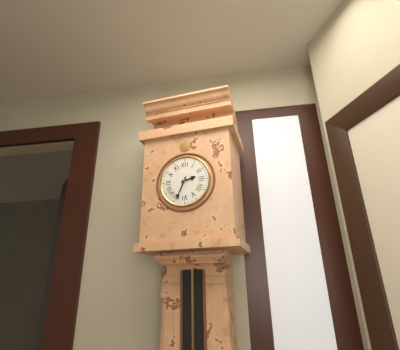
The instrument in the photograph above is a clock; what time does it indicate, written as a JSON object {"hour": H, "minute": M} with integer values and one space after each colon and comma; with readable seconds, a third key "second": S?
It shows {"hour": 2, "minute": 34}
